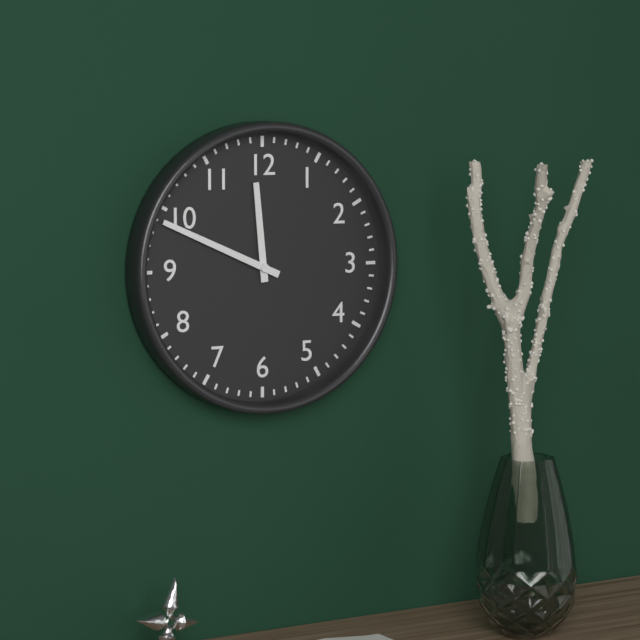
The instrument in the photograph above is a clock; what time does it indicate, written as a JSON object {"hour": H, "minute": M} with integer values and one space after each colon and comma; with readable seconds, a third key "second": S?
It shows {"hour": 11, "minute": 49}
